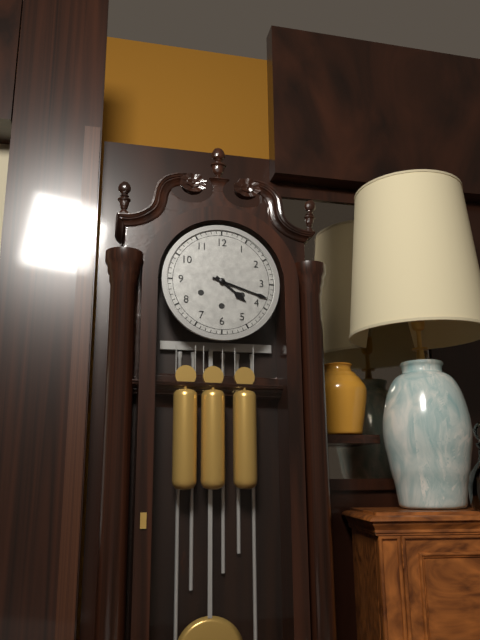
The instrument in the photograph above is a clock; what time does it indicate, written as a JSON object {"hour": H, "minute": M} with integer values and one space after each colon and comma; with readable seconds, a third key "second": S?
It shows {"hour": 4, "minute": 18}
